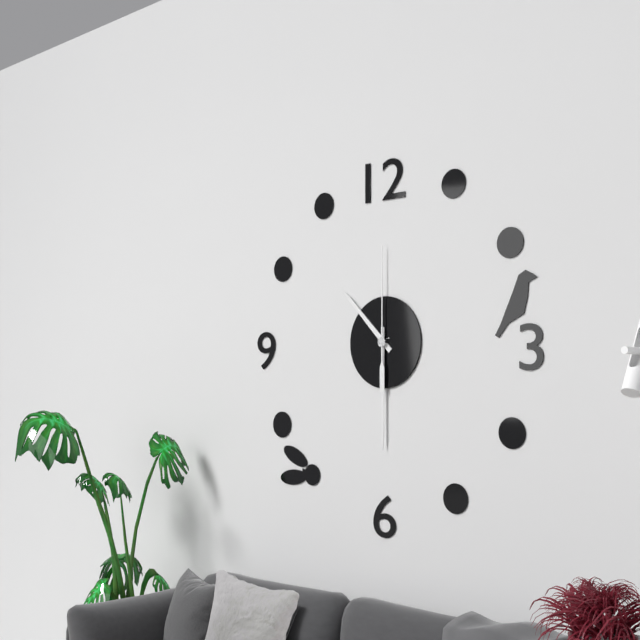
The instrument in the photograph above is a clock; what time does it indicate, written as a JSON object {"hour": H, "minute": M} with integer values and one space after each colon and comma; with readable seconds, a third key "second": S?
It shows {"hour": 10, "minute": 30, "second": 0}
